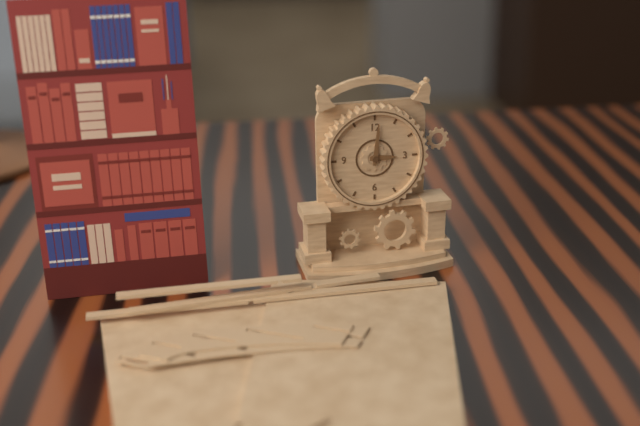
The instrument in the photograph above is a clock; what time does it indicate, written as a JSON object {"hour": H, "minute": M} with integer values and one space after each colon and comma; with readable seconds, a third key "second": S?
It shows {"hour": 3, "minute": 1}
